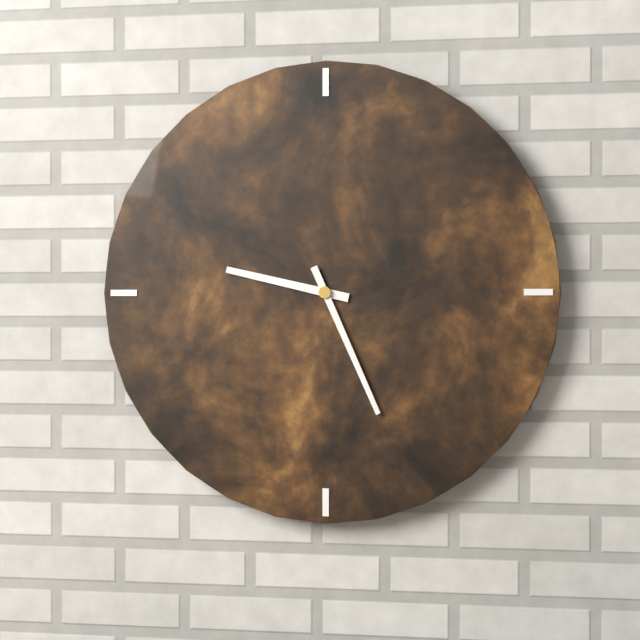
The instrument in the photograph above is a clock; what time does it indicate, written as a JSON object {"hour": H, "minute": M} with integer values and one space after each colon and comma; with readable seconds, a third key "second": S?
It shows {"hour": 9, "minute": 26}
